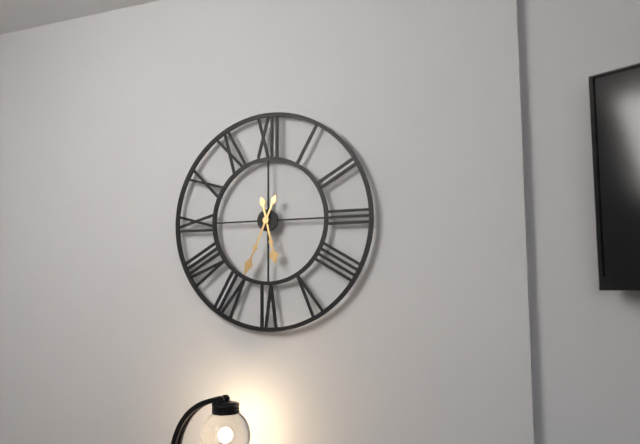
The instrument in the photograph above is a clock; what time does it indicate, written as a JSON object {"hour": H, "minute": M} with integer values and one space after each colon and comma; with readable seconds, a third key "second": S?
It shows {"hour": 5, "minute": 34}
